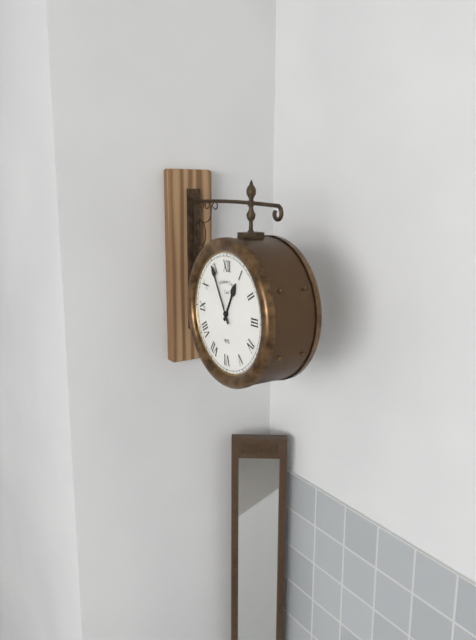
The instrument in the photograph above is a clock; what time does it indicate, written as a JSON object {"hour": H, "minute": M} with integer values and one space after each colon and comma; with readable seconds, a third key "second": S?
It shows {"hour": 12, "minute": 55}
